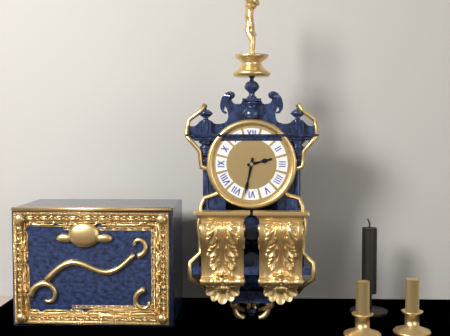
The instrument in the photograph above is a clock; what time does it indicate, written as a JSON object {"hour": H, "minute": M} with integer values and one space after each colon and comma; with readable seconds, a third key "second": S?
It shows {"hour": 2, "minute": 32}
